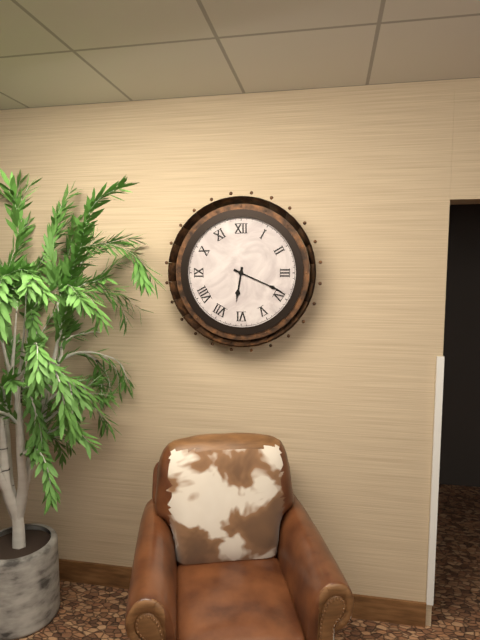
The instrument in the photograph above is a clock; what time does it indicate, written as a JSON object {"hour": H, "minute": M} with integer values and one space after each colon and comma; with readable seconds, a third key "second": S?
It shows {"hour": 6, "minute": 19}
